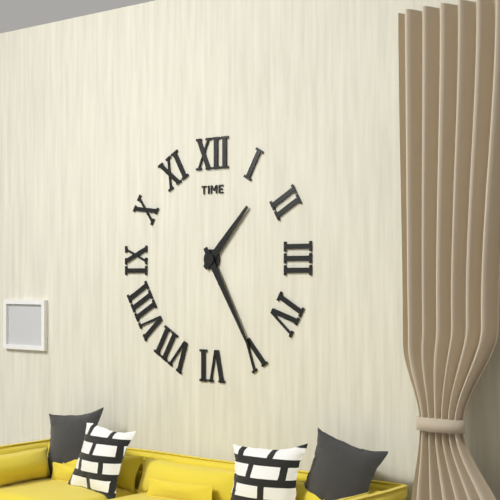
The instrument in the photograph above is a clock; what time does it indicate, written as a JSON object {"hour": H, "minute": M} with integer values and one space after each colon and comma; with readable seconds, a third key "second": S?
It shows {"hour": 1, "minute": 25}
